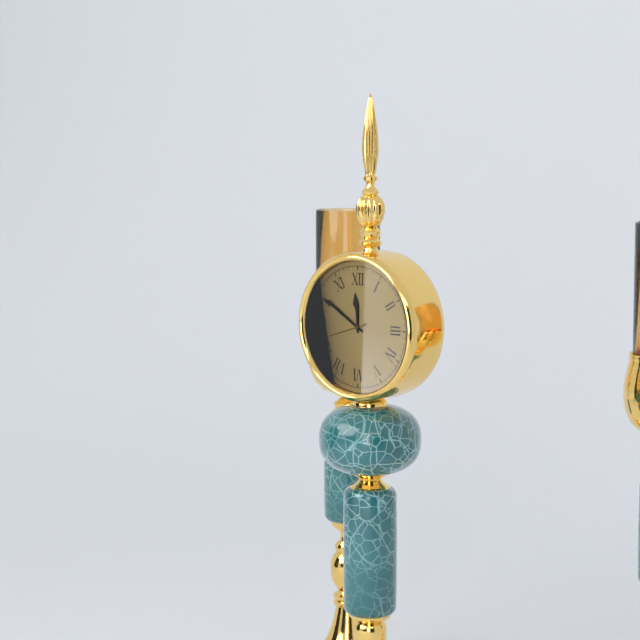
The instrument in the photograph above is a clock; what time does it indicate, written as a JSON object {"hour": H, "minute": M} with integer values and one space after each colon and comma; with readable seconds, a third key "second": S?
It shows {"hour": 11, "minute": 50, "second": 42}
